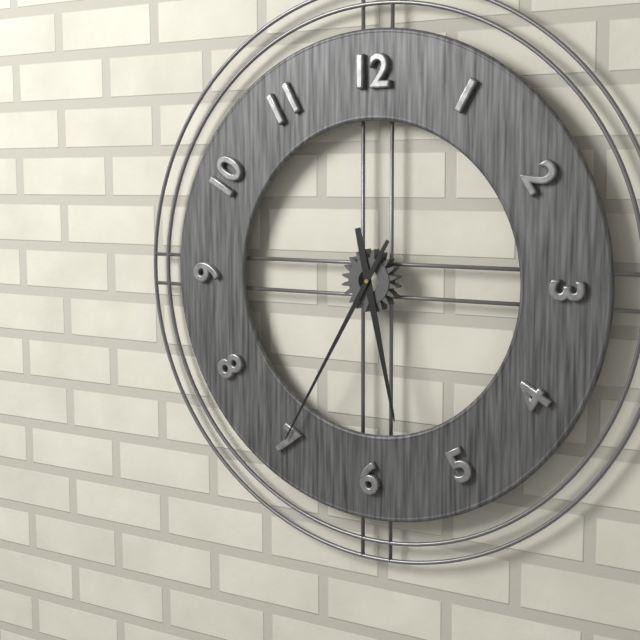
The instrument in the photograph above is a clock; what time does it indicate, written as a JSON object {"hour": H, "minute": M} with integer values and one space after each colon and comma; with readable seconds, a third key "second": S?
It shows {"hour": 5, "minute": 35}
